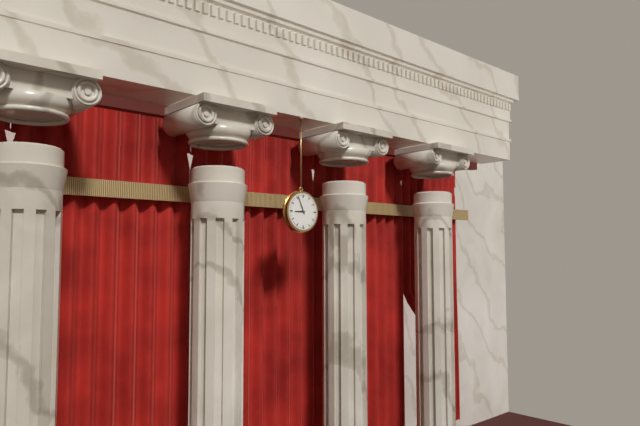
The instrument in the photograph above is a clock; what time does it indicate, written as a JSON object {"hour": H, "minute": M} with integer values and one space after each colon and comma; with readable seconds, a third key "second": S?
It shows {"hour": 8, "minute": 56}
